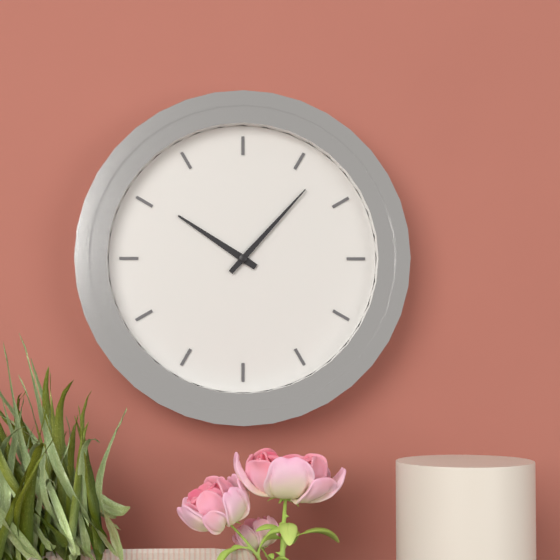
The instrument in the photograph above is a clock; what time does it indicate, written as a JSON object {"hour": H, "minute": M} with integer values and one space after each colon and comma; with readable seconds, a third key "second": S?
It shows {"hour": 10, "minute": 7}
